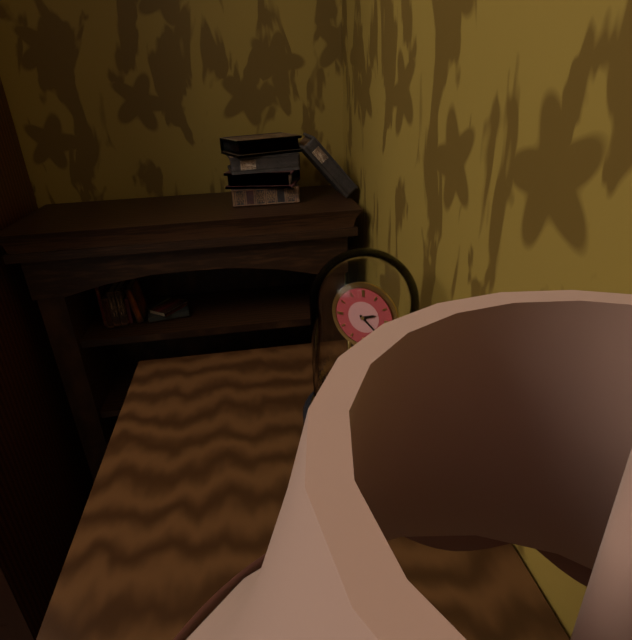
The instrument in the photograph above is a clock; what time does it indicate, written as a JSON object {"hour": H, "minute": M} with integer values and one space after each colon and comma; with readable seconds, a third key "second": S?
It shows {"hour": 2, "minute": 22}
